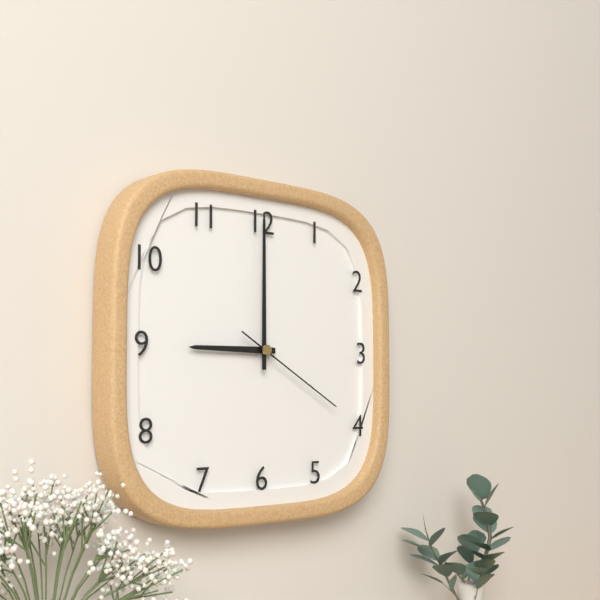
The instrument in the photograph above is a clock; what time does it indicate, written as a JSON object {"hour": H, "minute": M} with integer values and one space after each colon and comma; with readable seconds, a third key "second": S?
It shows {"hour": 9, "minute": 0, "second": 20}
